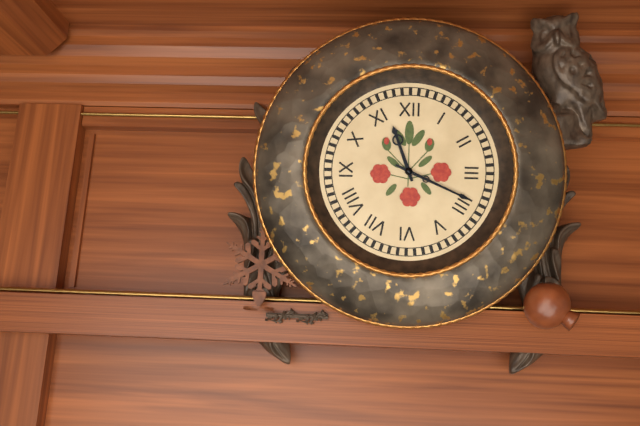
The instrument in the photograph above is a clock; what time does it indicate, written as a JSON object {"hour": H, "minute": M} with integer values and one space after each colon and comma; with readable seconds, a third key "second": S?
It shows {"hour": 11, "minute": 19}
